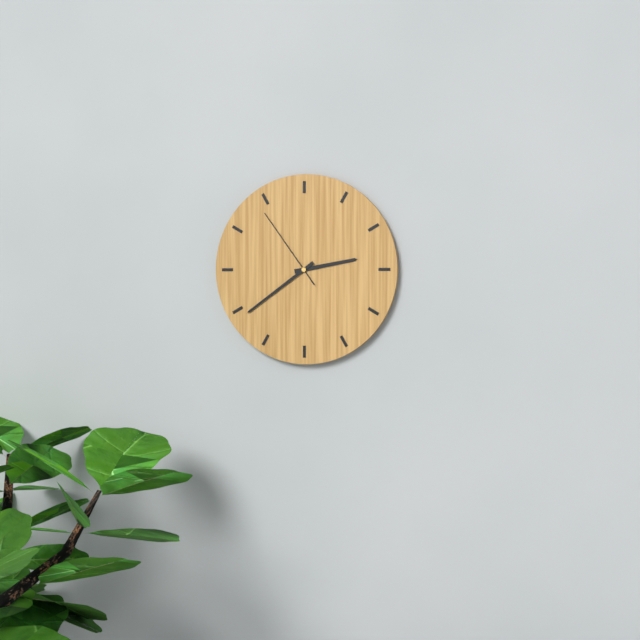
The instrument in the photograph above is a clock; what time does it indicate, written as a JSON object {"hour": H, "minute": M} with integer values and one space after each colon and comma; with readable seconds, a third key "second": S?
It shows {"hour": 2, "minute": 39, "second": 54}
